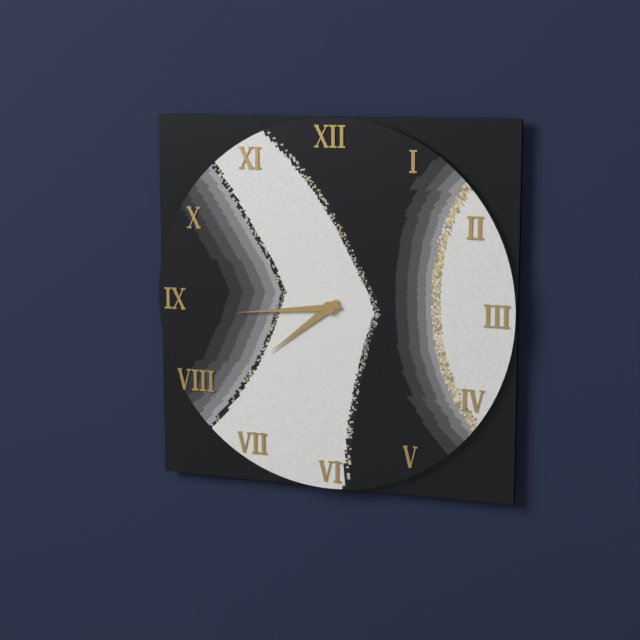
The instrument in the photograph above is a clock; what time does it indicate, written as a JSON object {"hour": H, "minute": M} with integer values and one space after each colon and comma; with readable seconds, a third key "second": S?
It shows {"hour": 7, "minute": 44}
